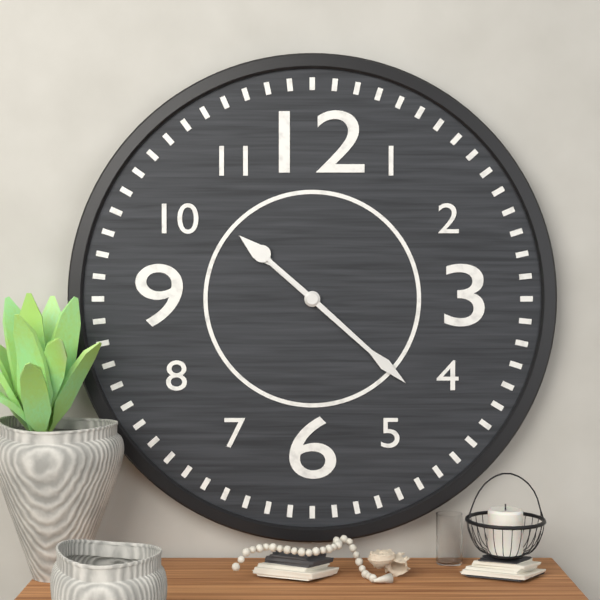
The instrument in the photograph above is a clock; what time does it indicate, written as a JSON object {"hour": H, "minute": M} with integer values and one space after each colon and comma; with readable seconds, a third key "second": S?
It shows {"hour": 10, "minute": 22}
